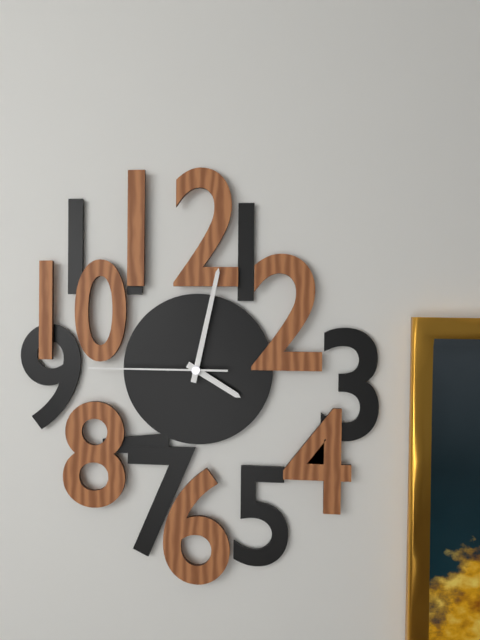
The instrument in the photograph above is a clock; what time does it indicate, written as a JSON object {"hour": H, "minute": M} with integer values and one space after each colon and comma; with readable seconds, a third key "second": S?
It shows {"hour": 4, "minute": 2, "second": 45}
